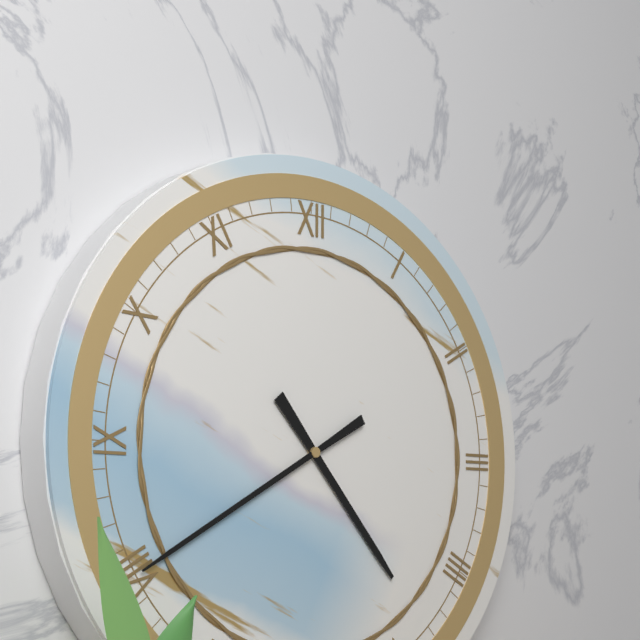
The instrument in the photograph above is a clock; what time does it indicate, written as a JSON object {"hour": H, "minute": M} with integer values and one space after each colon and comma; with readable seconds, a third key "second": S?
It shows {"hour": 4, "minute": 40}
